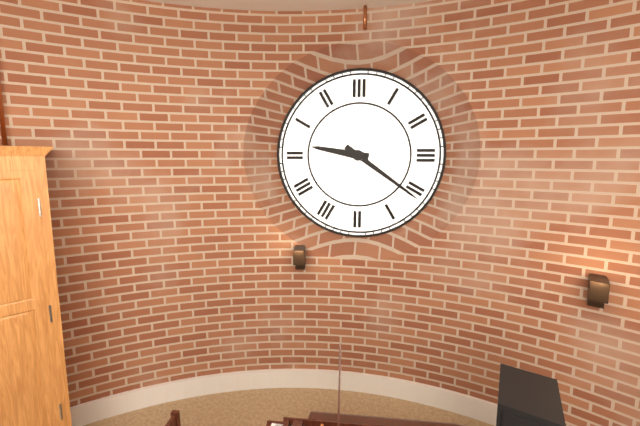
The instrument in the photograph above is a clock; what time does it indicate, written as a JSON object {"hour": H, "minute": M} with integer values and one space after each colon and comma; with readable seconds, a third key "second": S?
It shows {"hour": 9, "minute": 21}
